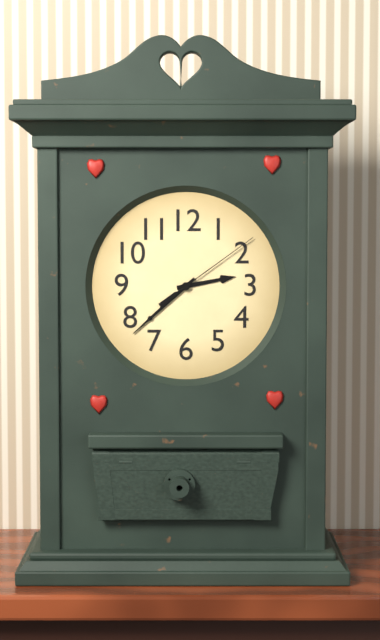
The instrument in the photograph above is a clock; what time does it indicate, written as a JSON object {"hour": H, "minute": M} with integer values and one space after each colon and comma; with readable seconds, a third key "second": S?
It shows {"hour": 2, "minute": 38, "second": 9}
